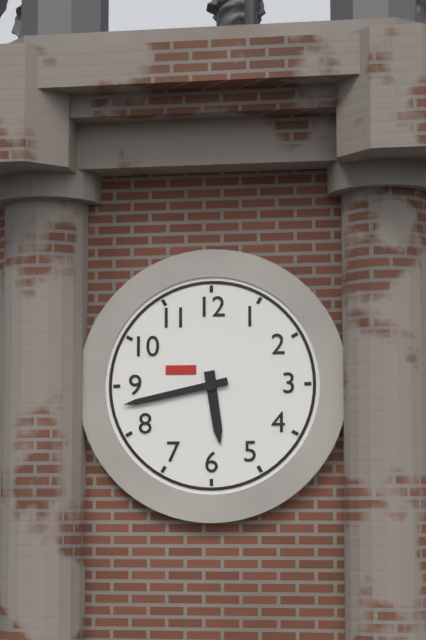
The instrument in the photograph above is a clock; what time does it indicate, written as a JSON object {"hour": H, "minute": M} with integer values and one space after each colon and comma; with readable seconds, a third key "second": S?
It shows {"hour": 5, "minute": 43}
